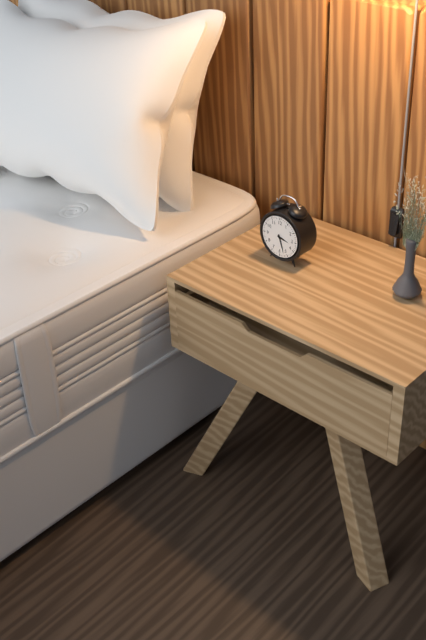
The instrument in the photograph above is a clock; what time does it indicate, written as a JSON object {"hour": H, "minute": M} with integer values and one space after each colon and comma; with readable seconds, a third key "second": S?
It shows {"hour": 3, "minute": 27}
